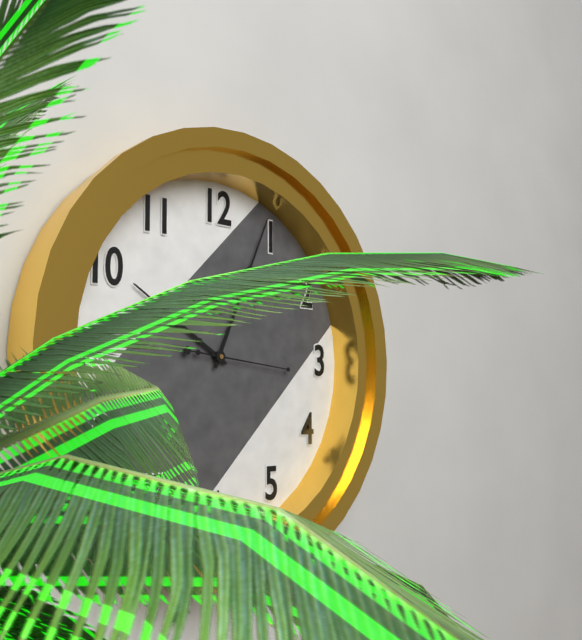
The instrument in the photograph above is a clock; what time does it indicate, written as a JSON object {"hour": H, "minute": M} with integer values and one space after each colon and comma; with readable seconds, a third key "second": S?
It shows {"hour": 10, "minute": 4, "second": 16}
